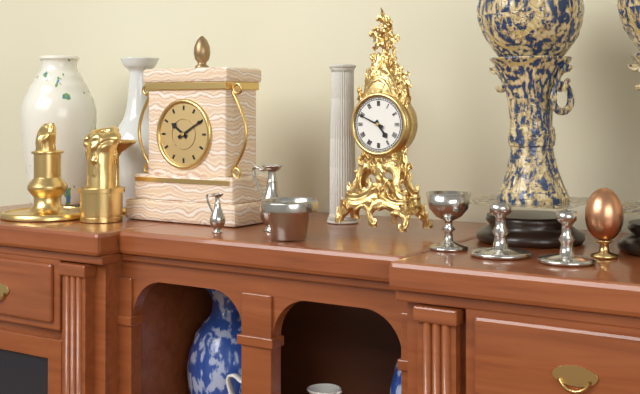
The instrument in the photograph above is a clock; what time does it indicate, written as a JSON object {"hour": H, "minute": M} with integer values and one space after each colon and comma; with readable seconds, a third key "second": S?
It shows {"hour": 4, "minute": 49}
